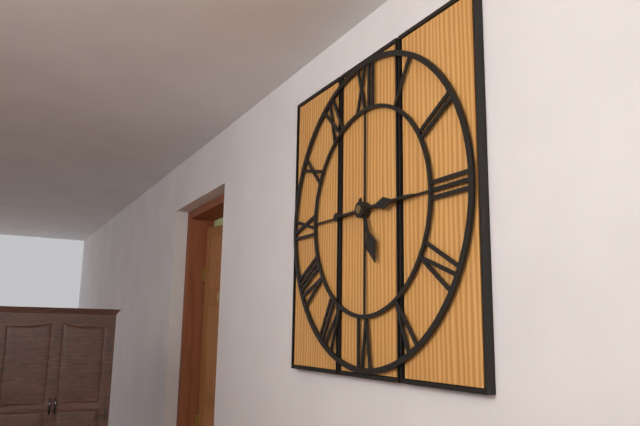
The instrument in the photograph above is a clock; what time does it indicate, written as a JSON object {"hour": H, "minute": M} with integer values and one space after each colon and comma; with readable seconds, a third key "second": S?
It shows {"hour": 5, "minute": 15}
